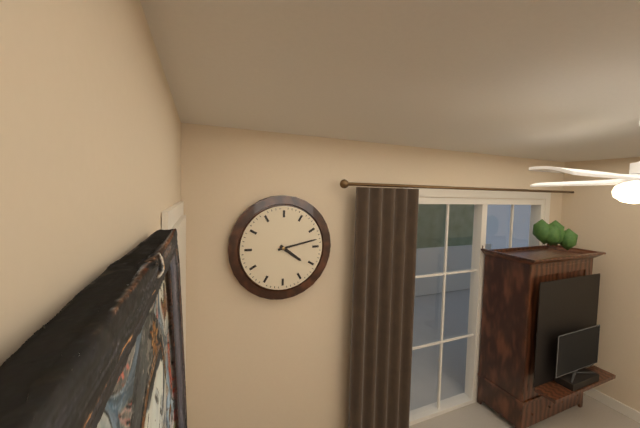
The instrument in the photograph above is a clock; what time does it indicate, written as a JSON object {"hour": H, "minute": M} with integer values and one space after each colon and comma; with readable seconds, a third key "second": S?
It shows {"hour": 4, "minute": 13}
